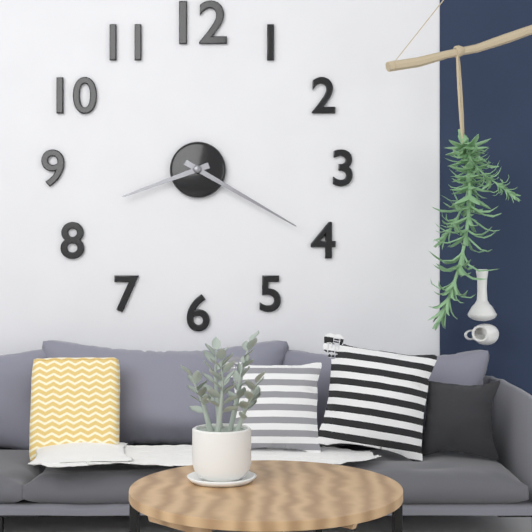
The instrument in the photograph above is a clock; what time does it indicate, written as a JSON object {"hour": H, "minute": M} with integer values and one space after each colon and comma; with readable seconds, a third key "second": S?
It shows {"hour": 8, "minute": 20}
